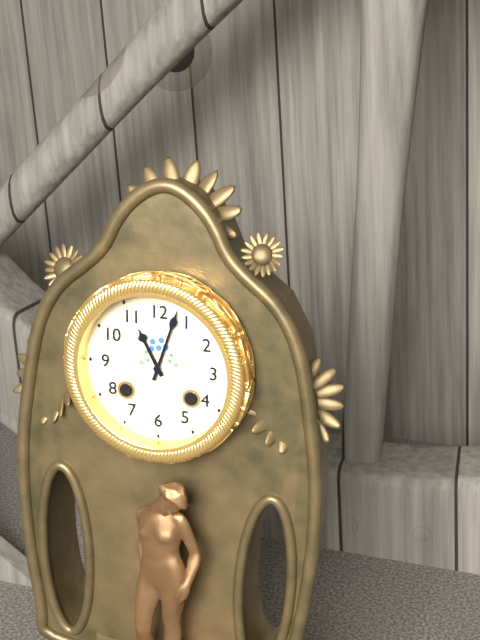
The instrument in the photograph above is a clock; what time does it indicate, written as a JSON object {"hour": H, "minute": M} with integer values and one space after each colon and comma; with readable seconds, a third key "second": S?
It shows {"hour": 11, "minute": 3}
